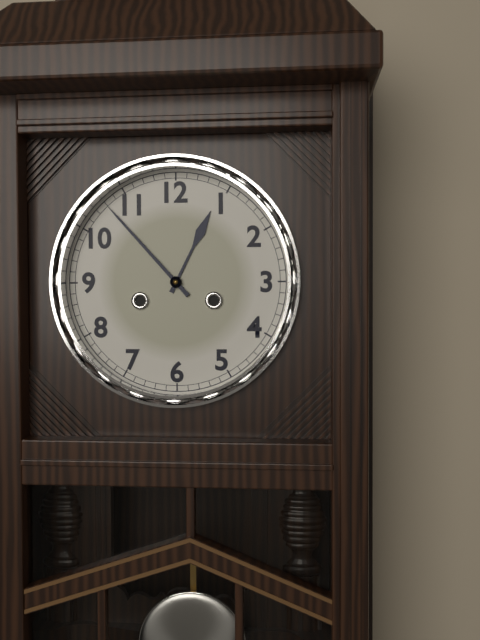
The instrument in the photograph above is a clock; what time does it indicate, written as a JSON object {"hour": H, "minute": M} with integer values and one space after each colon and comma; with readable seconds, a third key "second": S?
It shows {"hour": 12, "minute": 53}
